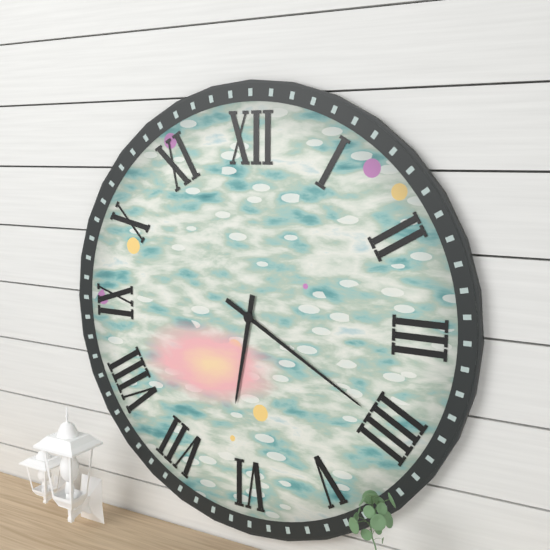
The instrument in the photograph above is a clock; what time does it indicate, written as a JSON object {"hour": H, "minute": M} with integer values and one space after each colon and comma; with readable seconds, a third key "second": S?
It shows {"hour": 6, "minute": 20}
